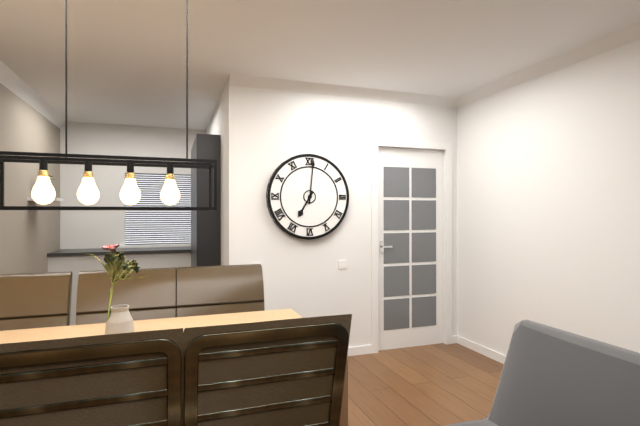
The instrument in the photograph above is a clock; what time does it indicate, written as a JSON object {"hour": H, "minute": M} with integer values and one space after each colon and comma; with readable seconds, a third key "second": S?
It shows {"hour": 7, "minute": 1}
